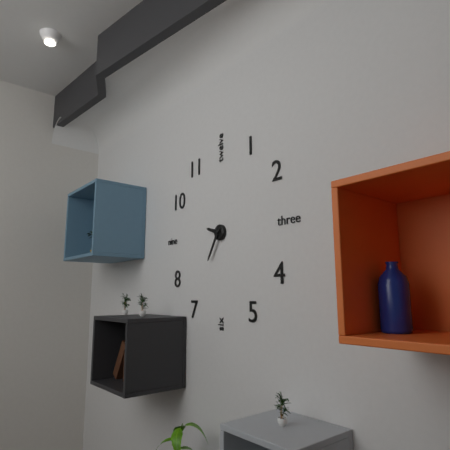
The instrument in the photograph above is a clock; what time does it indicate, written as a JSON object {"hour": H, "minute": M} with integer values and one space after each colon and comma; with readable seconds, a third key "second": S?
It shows {"hour": 9, "minute": 35}
